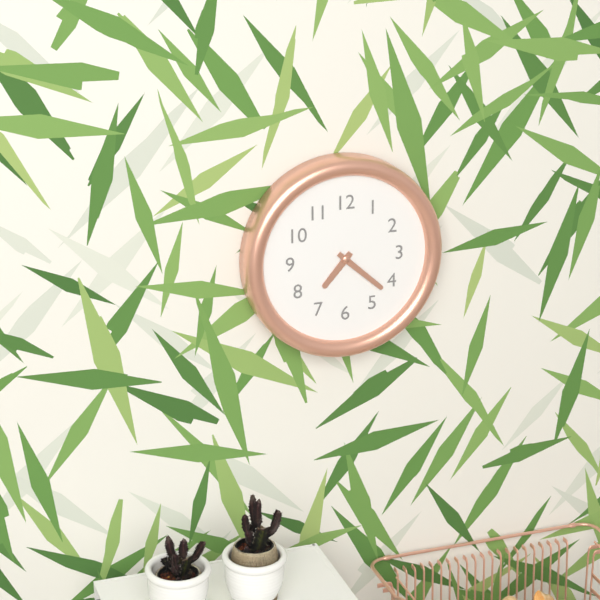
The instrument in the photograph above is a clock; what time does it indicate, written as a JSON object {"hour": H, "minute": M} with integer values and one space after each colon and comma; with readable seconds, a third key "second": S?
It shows {"hour": 7, "minute": 22}
